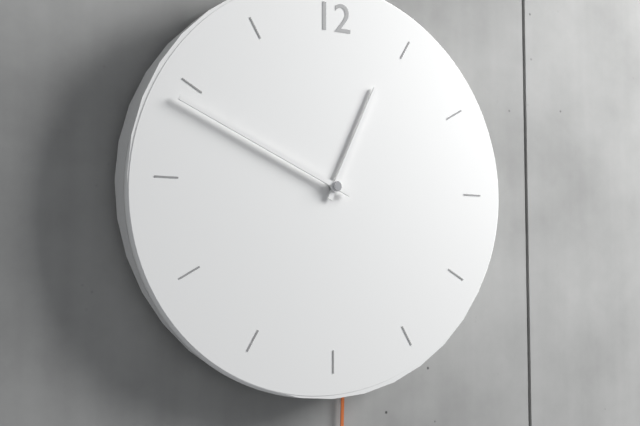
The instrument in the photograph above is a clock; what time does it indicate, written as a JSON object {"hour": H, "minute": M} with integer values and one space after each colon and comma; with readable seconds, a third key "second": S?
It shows {"hour": 12, "minute": 49}
